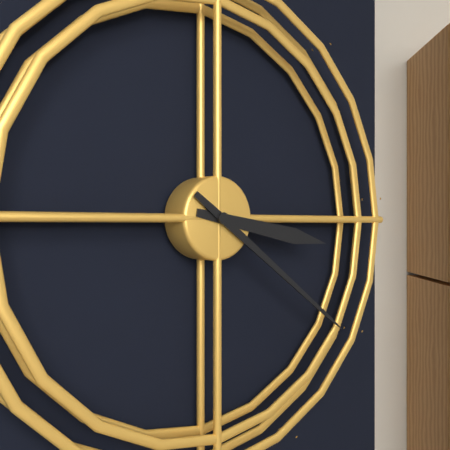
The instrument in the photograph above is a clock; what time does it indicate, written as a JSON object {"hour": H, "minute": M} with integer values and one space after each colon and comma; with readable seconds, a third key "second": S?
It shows {"hour": 3, "minute": 21}
